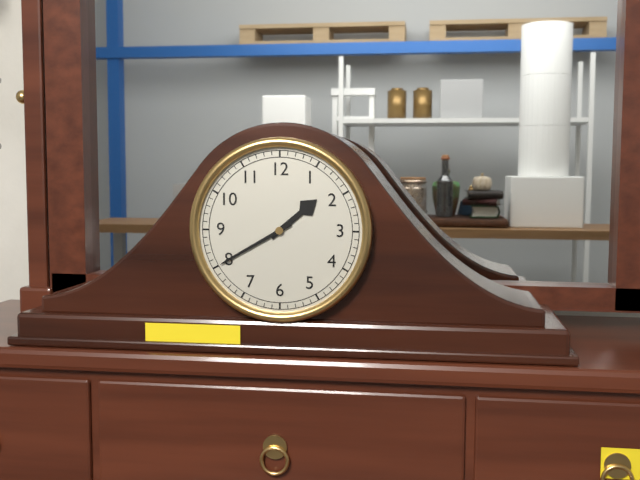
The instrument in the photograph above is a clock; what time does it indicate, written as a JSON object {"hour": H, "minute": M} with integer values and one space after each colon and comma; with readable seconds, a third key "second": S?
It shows {"hour": 1, "minute": 40}
